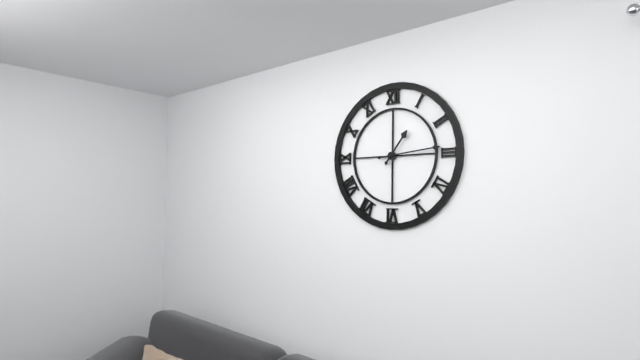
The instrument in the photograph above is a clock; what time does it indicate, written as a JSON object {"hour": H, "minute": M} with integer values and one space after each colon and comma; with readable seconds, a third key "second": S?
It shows {"hour": 1, "minute": 14}
